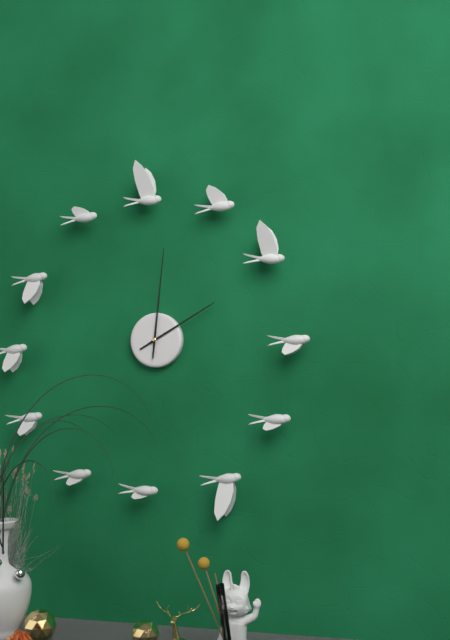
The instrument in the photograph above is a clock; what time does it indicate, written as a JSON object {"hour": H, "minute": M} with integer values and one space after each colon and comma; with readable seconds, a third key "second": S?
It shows {"hour": 2, "minute": 1}
